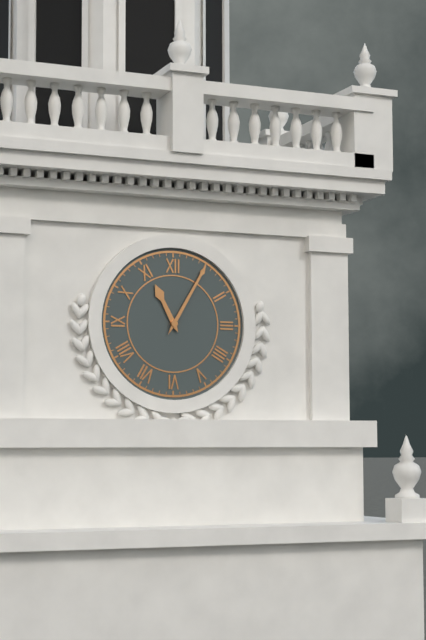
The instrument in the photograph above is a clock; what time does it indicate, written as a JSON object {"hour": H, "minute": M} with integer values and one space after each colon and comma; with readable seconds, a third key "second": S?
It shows {"hour": 11, "minute": 5}
